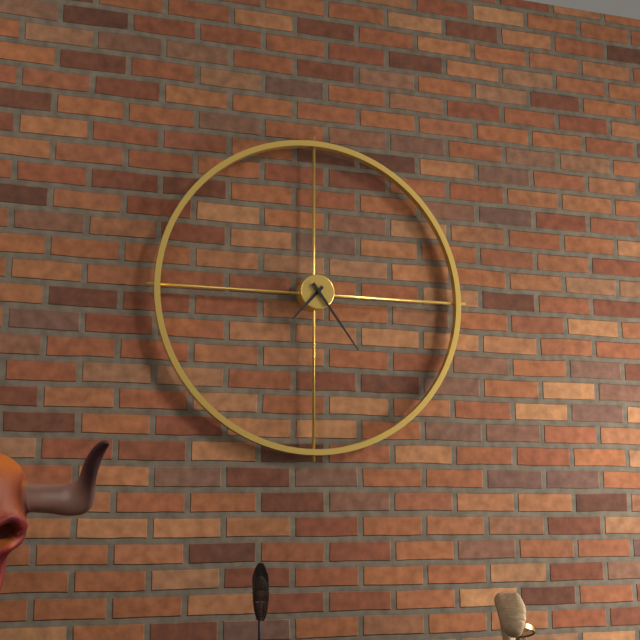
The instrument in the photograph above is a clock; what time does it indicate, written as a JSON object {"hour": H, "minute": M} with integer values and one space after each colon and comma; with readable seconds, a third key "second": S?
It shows {"hour": 7, "minute": 24}
